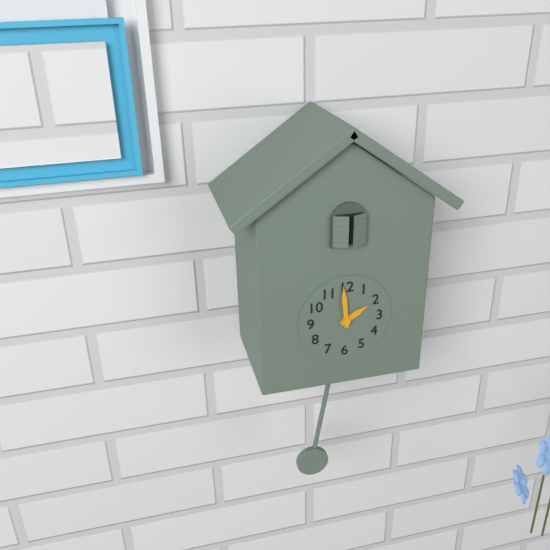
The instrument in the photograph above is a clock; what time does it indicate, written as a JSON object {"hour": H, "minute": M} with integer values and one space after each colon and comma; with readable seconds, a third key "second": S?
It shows {"hour": 1, "minute": 59}
